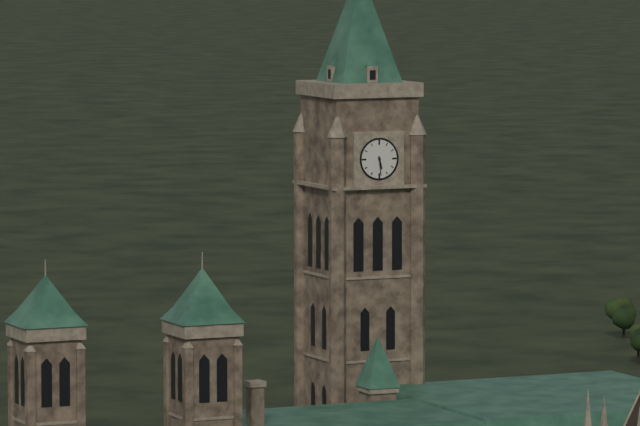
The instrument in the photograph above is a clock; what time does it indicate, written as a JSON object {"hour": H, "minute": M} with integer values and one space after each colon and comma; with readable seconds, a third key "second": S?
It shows {"hour": 5, "minute": 29}
